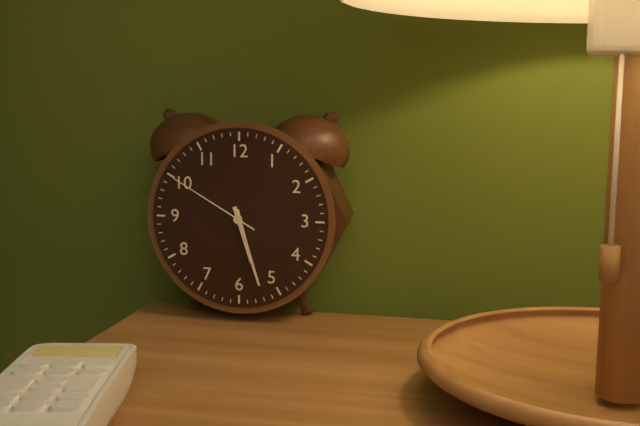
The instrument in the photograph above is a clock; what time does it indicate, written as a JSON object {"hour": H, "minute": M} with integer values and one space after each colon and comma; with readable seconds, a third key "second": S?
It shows {"hour": 5, "minute": 27, "second": 50}
